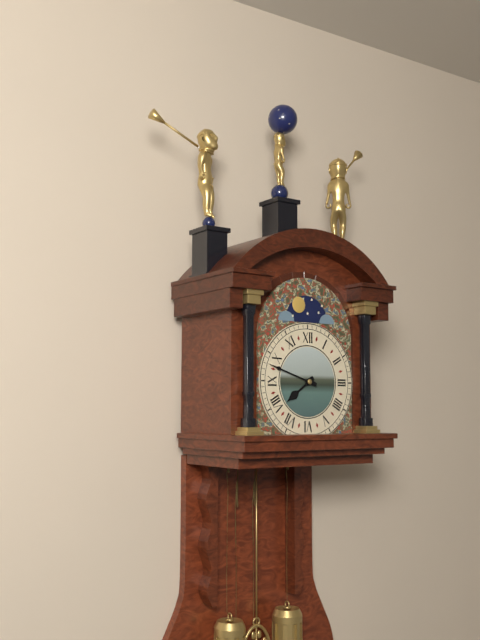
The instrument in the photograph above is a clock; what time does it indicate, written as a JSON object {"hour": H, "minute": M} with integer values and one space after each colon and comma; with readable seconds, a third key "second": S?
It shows {"hour": 7, "minute": 48}
